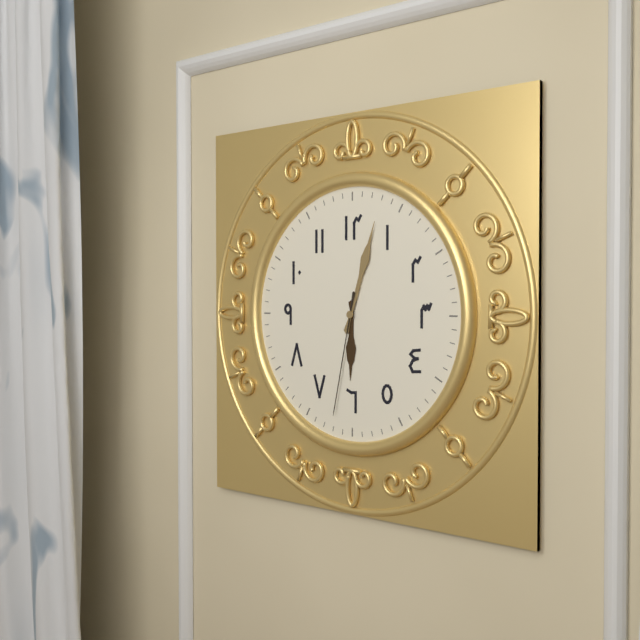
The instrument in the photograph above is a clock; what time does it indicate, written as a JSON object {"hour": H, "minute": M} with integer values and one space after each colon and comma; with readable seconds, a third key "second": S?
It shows {"hour": 6, "minute": 3, "second": 32}
